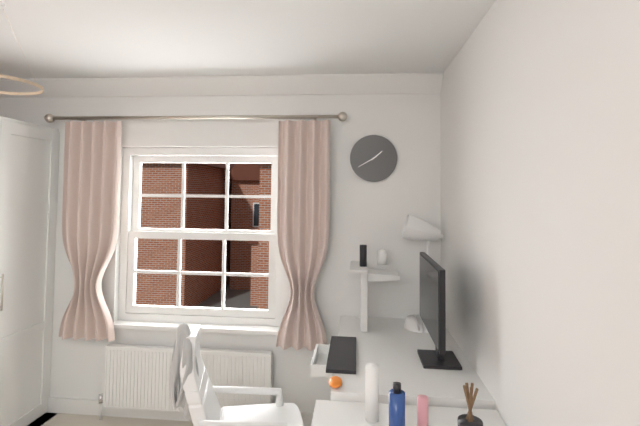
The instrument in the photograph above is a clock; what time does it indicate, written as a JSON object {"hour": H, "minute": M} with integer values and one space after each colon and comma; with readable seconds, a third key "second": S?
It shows {"hour": 1, "minute": 40}
